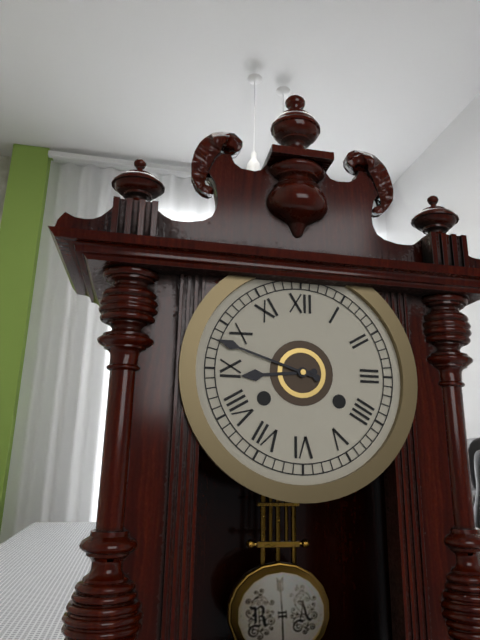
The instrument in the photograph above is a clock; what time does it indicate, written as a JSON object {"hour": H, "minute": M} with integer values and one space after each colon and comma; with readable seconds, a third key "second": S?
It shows {"hour": 8, "minute": 48}
